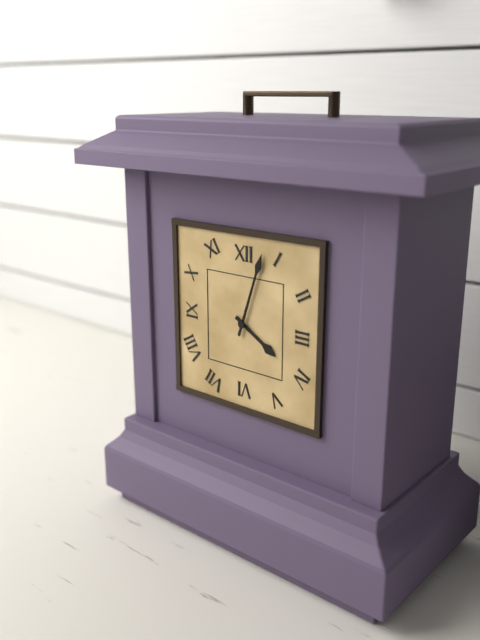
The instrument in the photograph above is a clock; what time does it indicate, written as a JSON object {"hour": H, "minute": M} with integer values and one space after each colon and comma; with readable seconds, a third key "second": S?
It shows {"hour": 4, "minute": 3}
